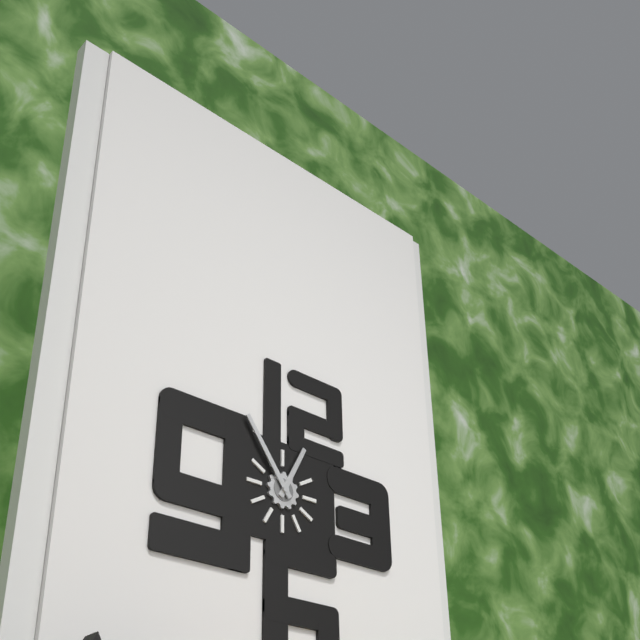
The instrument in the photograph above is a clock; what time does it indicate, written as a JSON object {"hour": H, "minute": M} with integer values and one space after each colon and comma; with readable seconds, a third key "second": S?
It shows {"hour": 12, "minute": 54}
